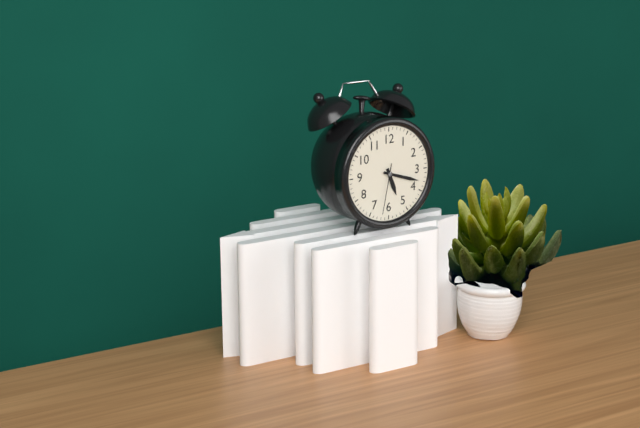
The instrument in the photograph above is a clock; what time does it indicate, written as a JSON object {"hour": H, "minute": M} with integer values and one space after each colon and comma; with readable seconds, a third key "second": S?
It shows {"hour": 5, "minute": 18, "second": 32}
